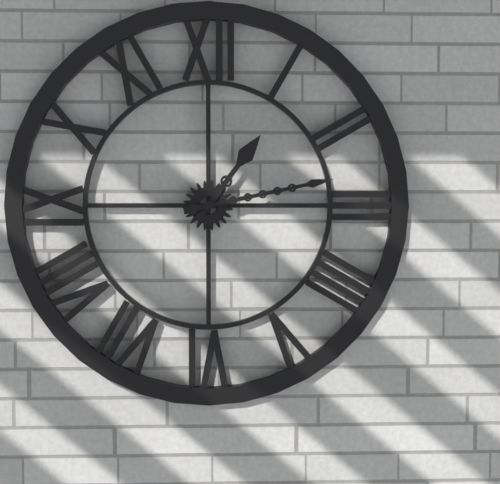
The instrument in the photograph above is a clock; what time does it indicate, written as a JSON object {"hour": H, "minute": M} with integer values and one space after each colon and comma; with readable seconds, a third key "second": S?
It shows {"hour": 1, "minute": 13}
